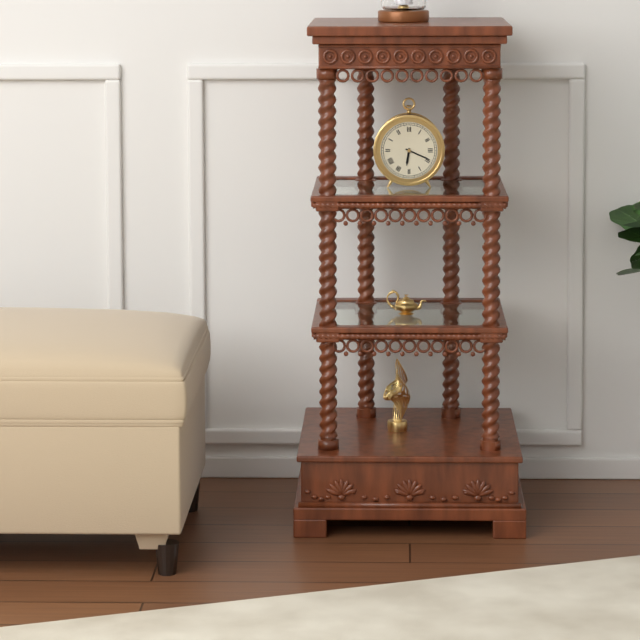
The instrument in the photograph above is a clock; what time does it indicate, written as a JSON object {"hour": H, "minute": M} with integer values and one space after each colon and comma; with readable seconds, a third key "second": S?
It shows {"hour": 6, "minute": 19}
